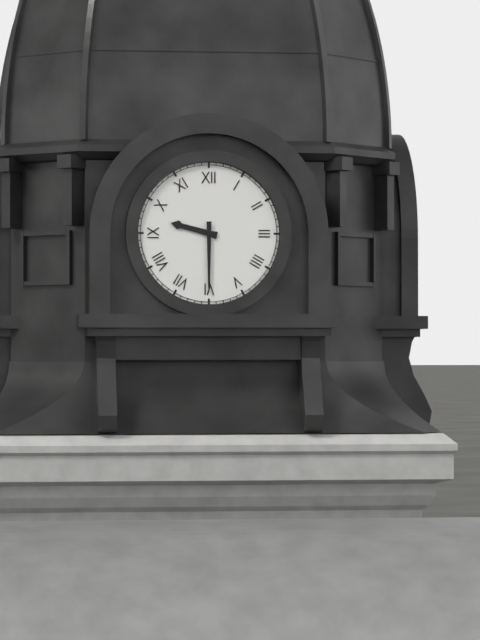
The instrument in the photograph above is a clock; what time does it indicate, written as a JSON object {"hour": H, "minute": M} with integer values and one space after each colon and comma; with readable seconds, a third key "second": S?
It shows {"hour": 9, "minute": 30}
